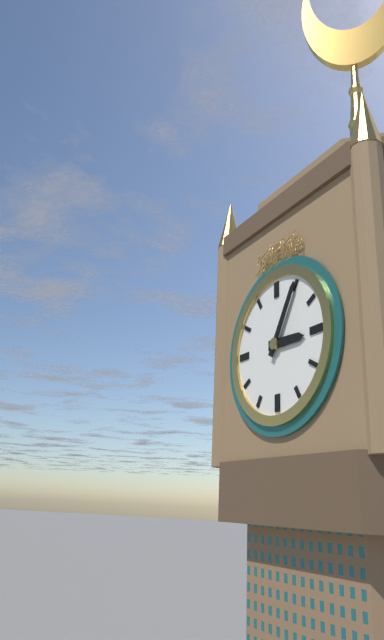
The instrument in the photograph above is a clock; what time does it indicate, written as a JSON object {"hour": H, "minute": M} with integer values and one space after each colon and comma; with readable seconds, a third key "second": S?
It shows {"hour": 3, "minute": 5}
